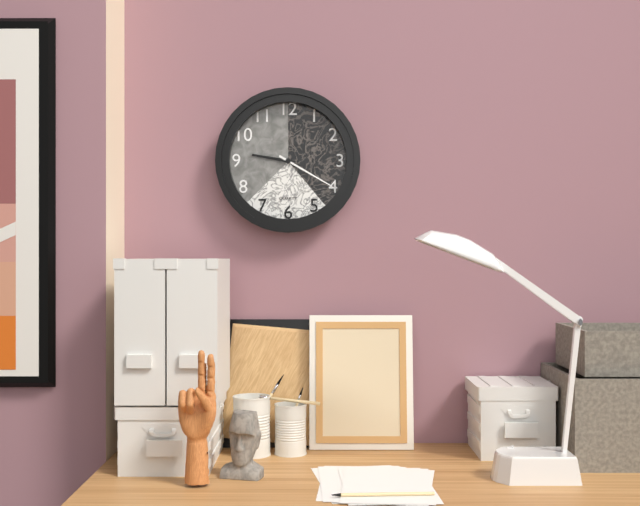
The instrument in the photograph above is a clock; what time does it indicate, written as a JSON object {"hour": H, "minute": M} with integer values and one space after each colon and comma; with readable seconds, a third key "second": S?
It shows {"hour": 9, "minute": 20}
